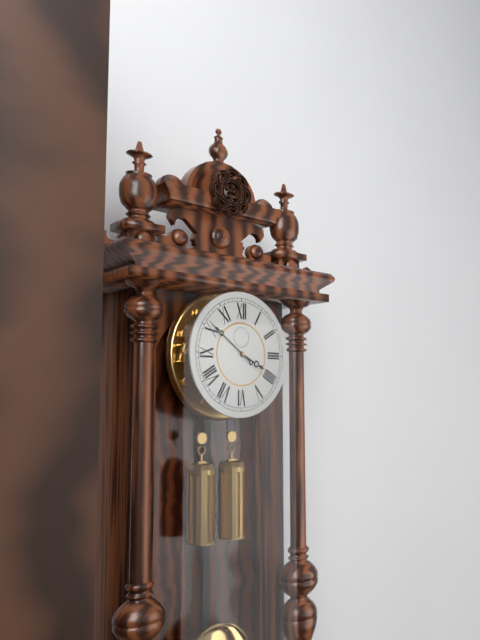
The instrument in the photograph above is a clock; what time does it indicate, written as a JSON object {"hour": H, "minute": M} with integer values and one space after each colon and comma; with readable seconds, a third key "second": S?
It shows {"hour": 3, "minute": 51}
